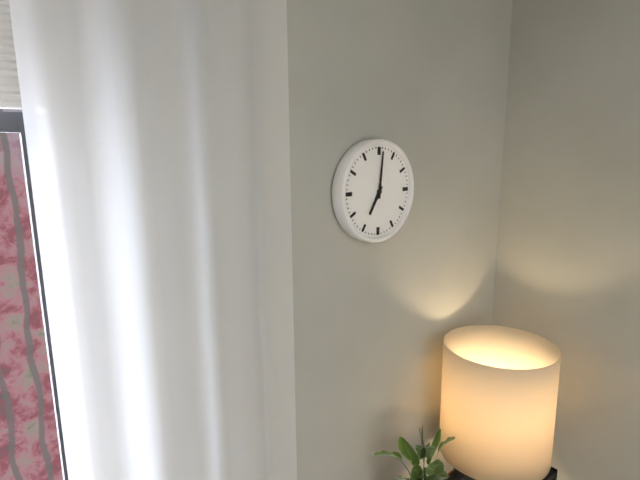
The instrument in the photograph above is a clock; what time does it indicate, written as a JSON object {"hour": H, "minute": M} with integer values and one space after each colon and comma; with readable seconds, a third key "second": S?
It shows {"hour": 7, "minute": 1}
